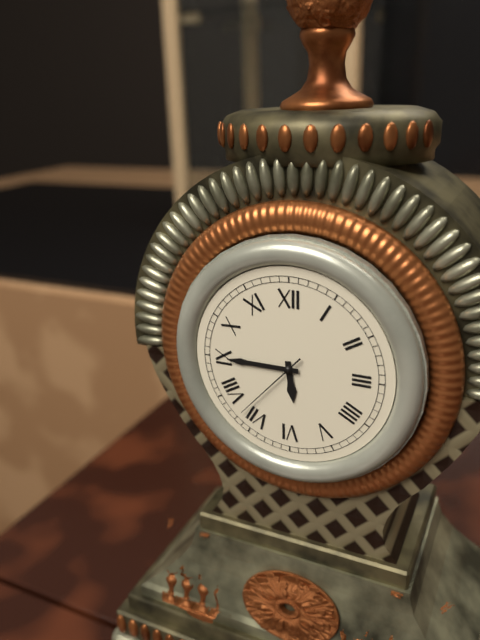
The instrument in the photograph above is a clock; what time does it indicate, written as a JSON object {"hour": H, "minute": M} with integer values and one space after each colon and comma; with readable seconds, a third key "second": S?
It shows {"hour": 5, "minute": 45, "second": 37}
